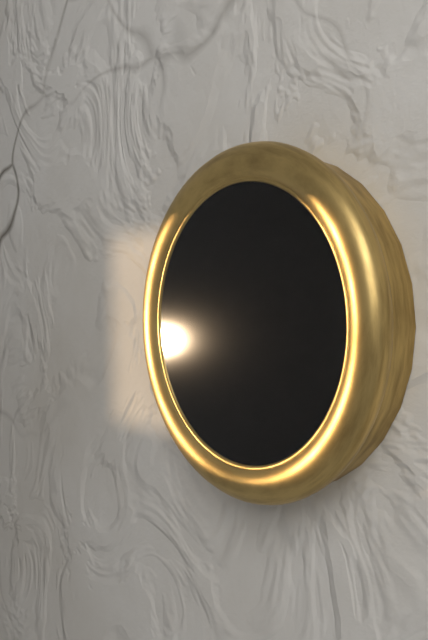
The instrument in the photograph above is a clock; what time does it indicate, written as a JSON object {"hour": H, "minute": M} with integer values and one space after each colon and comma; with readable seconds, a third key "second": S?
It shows {"hour": 5, "minute": 37, "second": 45}
